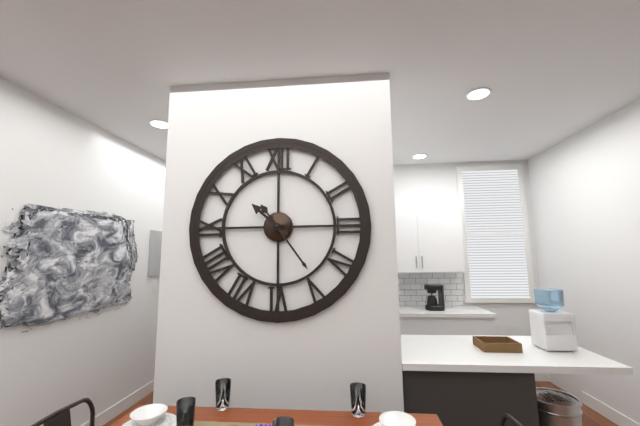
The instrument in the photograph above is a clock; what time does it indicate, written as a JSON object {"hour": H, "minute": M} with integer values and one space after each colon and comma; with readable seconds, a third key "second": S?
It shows {"hour": 10, "minute": 24}
